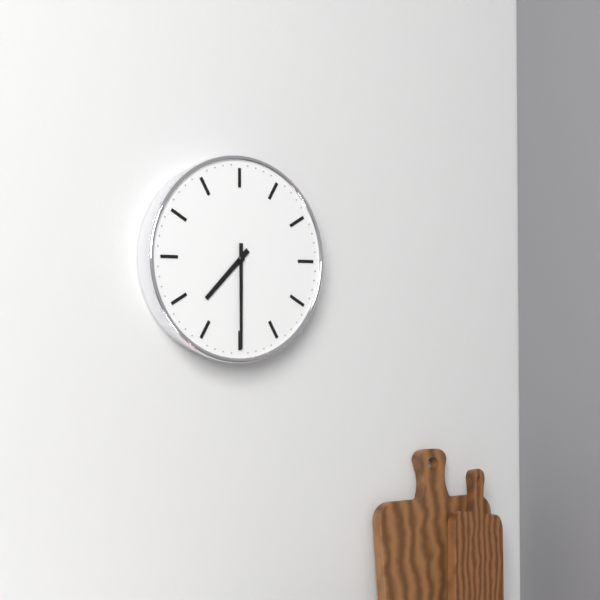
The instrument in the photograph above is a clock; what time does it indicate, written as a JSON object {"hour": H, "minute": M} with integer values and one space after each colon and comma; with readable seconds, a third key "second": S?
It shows {"hour": 7, "minute": 30}
